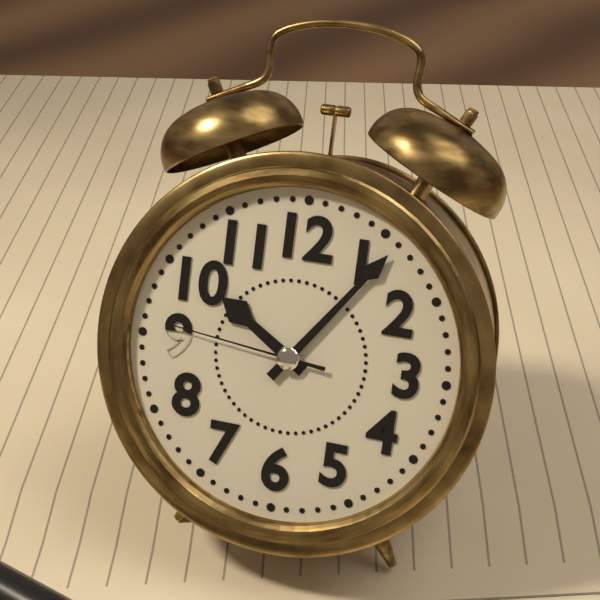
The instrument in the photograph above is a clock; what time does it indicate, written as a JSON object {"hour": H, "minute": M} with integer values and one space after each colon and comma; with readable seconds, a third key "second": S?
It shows {"hour": 10, "minute": 6, "second": 46}
